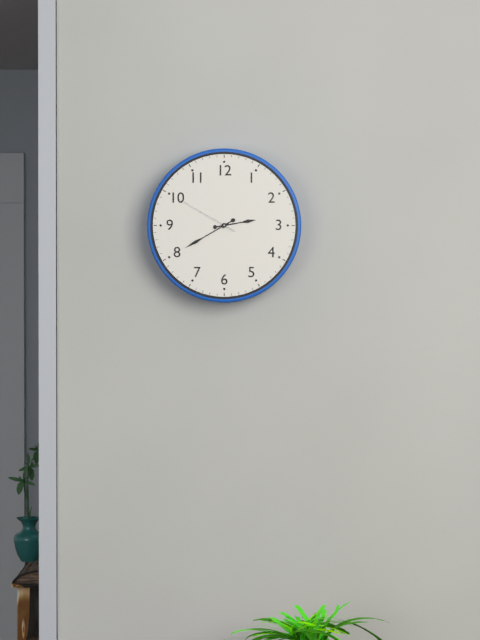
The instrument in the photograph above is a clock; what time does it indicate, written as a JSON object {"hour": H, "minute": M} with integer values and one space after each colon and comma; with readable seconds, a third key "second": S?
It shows {"hour": 2, "minute": 40, "second": 50}
